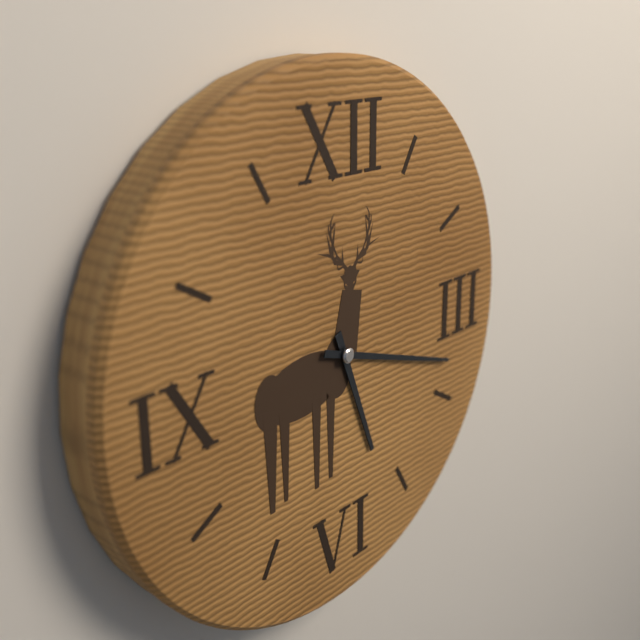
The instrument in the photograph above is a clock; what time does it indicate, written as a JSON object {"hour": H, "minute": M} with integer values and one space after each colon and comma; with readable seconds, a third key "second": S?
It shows {"hour": 5, "minute": 18}
